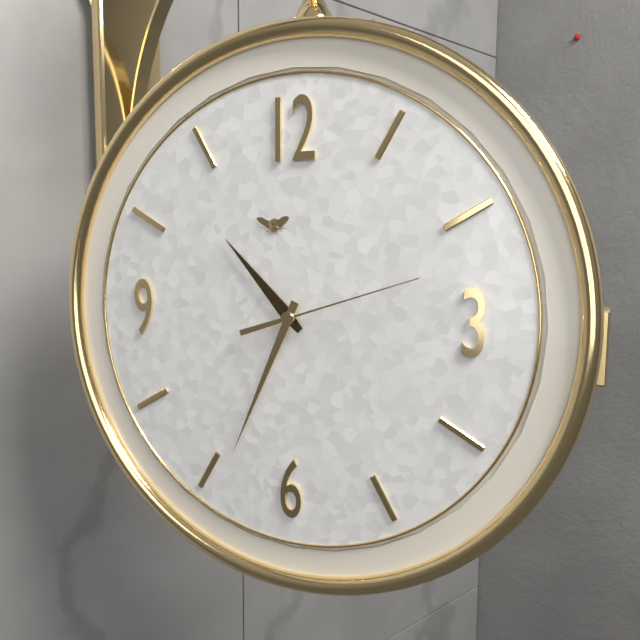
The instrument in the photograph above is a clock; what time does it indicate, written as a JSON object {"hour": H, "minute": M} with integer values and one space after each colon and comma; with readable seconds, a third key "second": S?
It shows {"hour": 10, "minute": 34, "second": 12}
